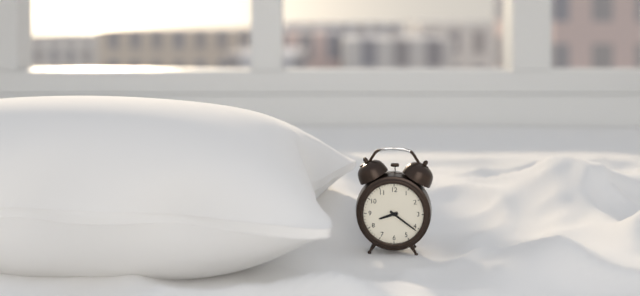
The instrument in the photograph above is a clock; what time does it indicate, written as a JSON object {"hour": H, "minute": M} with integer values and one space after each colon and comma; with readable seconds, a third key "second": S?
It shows {"hour": 8, "minute": 21}
